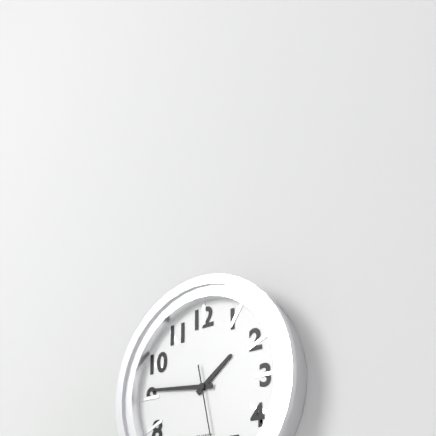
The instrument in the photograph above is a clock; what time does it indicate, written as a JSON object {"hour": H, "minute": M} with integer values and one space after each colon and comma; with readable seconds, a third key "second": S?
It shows {"hour": 1, "minute": 46}
